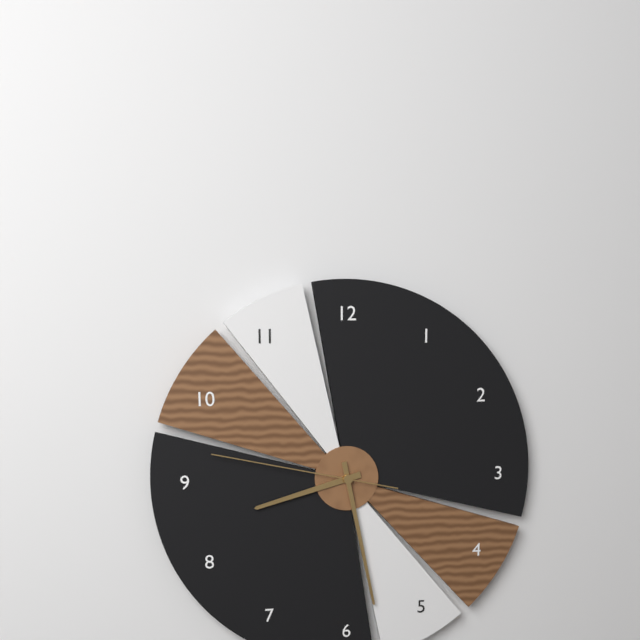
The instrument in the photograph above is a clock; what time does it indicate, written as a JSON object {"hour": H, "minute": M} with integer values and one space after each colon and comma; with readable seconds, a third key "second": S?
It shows {"hour": 8, "minute": 28, "second": 47}
